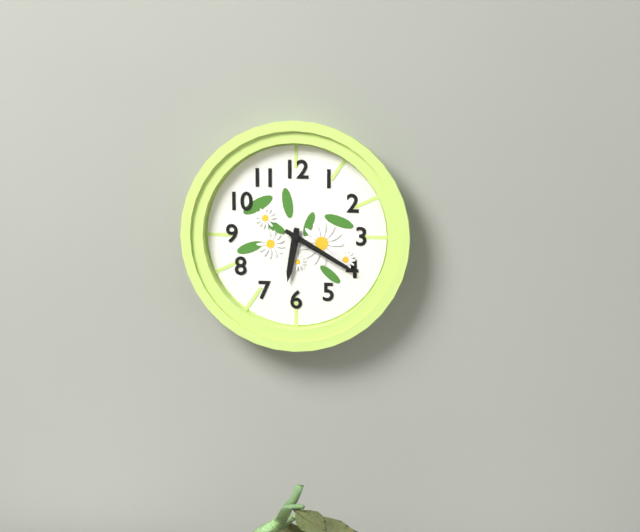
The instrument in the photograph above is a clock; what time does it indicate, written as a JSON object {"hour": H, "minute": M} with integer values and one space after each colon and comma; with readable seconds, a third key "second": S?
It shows {"hour": 6, "minute": 20}
